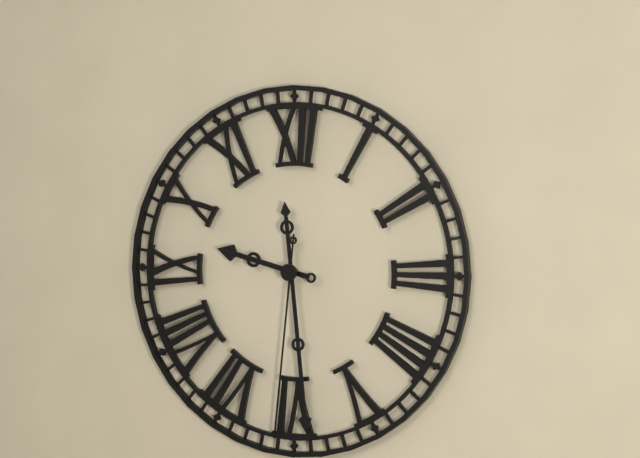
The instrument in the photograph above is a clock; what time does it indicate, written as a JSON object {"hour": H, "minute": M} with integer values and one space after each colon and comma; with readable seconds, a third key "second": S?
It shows {"hour": 9, "minute": 29, "second": 31}
